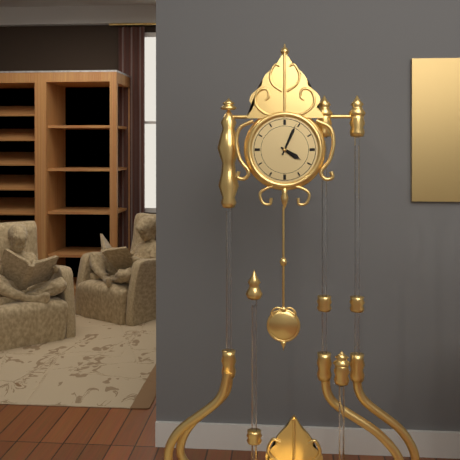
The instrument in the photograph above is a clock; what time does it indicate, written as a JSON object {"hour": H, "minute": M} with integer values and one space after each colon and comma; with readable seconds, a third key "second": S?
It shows {"hour": 4, "minute": 4}
